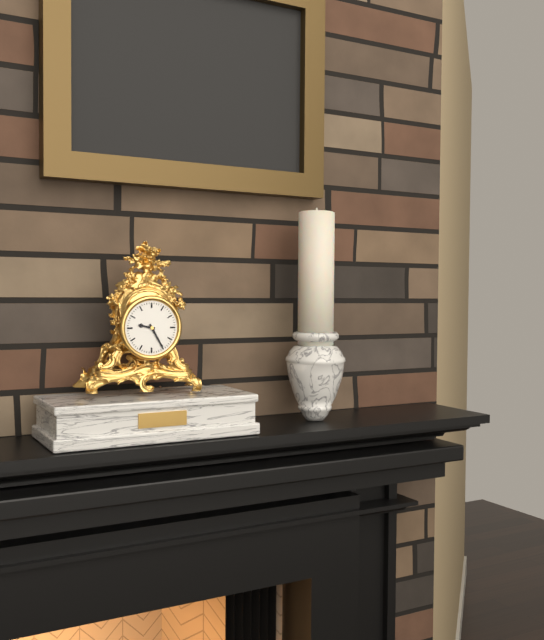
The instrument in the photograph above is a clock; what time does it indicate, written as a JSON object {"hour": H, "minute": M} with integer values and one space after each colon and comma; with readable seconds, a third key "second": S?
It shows {"hour": 9, "minute": 25}
